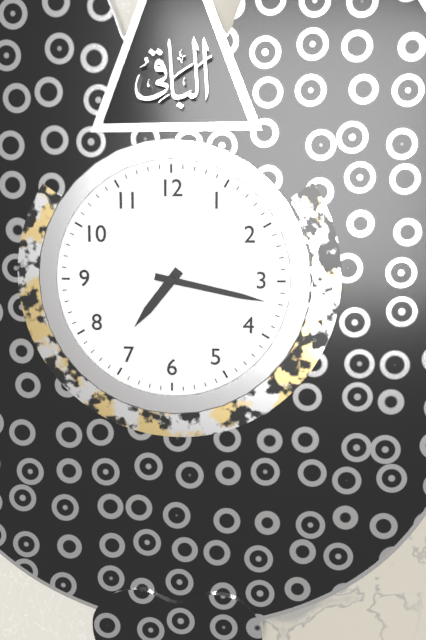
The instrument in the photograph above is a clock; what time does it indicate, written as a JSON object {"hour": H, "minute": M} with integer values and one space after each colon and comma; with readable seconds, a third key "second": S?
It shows {"hour": 7, "minute": 17}
